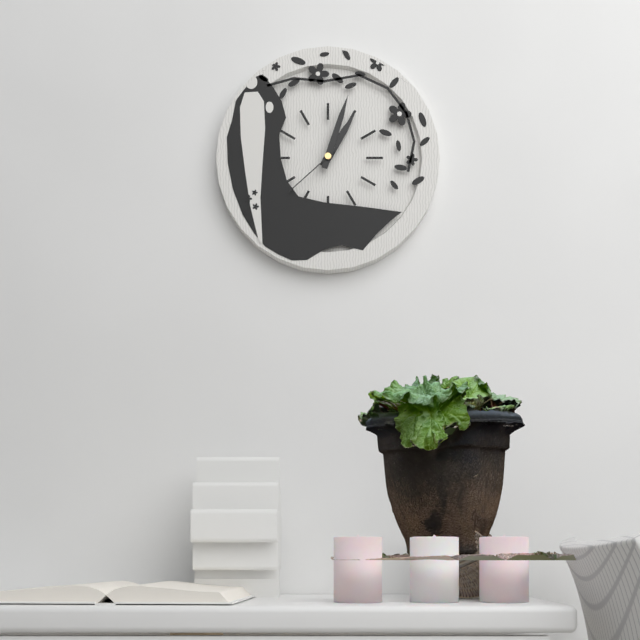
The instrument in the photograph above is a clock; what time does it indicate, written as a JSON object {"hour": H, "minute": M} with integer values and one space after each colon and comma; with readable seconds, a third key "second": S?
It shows {"hour": 1, "minute": 3, "second": 38}
